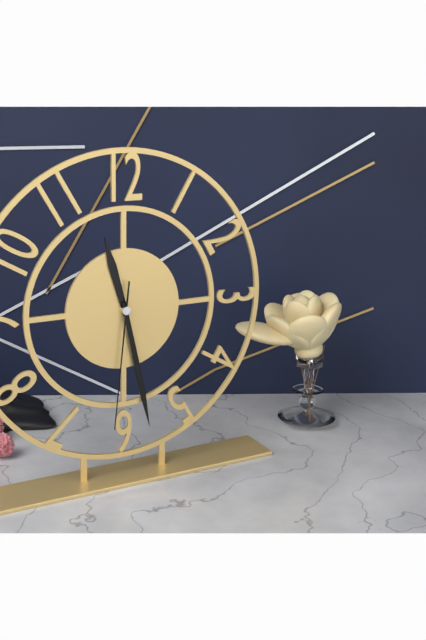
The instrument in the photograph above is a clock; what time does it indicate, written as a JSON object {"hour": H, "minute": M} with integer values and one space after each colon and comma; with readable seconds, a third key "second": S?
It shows {"hour": 11, "minute": 28, "second": 31}
